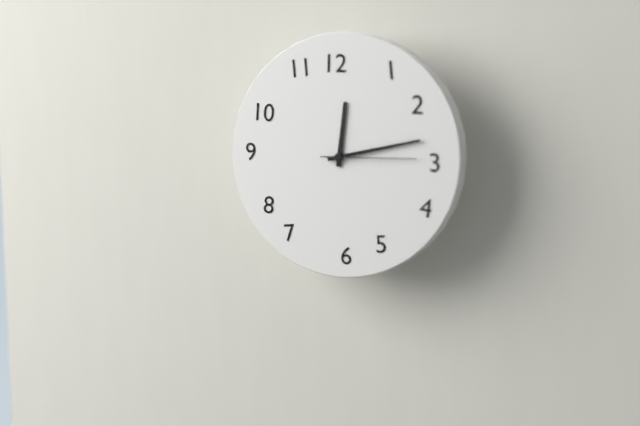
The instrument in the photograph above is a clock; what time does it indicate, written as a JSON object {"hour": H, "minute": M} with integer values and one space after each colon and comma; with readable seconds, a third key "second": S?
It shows {"hour": 12, "minute": 13, "second": 15}
